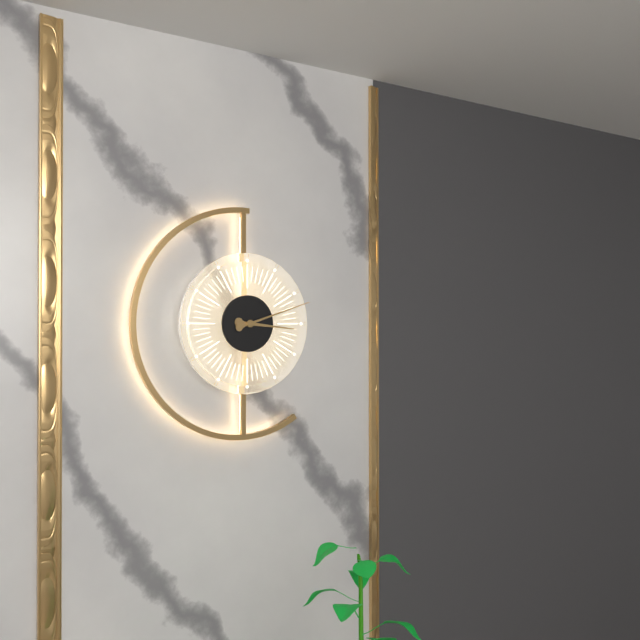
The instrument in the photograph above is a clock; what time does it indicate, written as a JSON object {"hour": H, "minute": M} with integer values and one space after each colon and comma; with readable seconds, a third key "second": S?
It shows {"hour": 3, "minute": 12}
